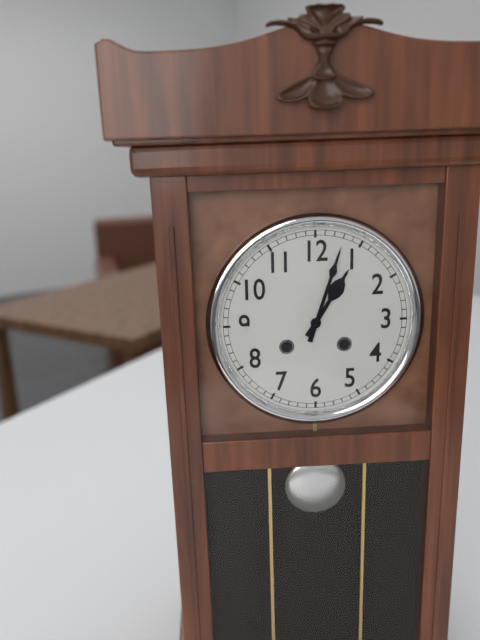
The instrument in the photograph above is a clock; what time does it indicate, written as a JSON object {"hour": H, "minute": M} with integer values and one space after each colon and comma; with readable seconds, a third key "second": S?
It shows {"hour": 1, "minute": 3}
